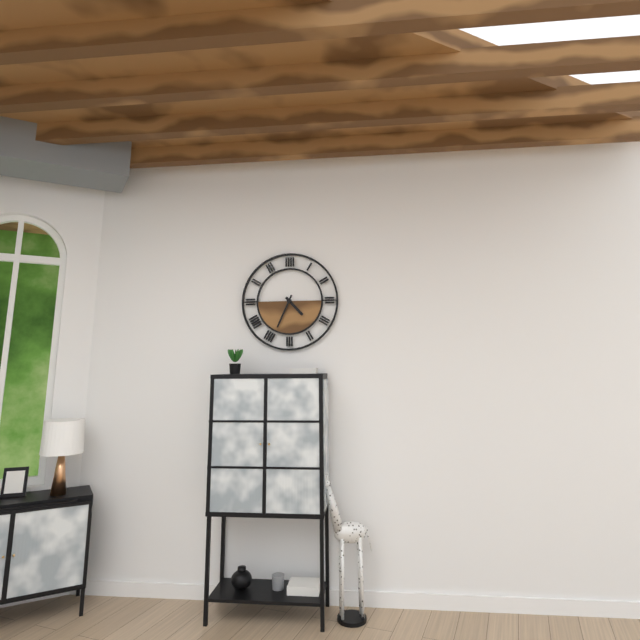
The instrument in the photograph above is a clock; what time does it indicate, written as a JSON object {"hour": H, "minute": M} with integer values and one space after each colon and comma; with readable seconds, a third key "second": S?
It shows {"hour": 4, "minute": 34}
